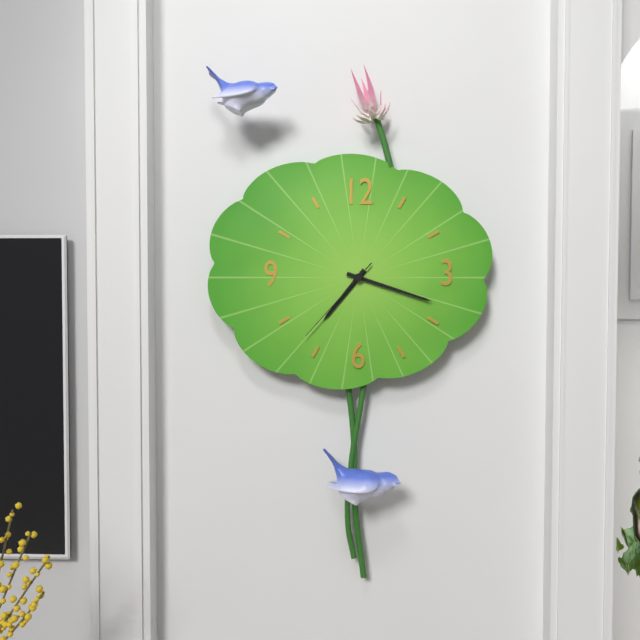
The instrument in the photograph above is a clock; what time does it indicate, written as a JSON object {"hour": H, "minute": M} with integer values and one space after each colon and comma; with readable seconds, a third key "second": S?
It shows {"hour": 7, "minute": 18, "second": 37}
